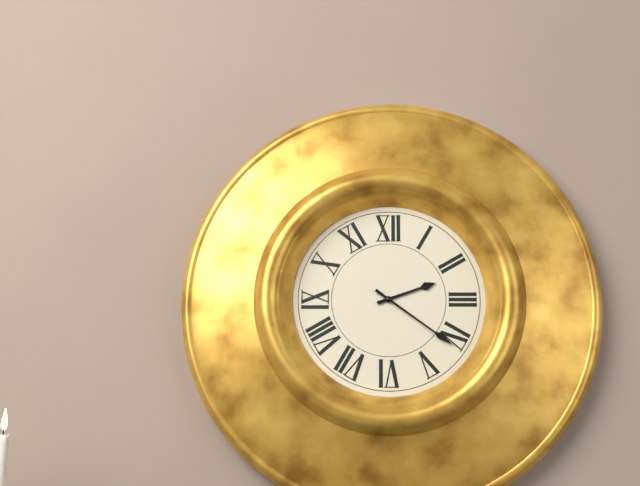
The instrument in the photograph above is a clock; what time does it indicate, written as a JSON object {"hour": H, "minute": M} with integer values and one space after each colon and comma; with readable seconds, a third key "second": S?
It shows {"hour": 2, "minute": 21}
